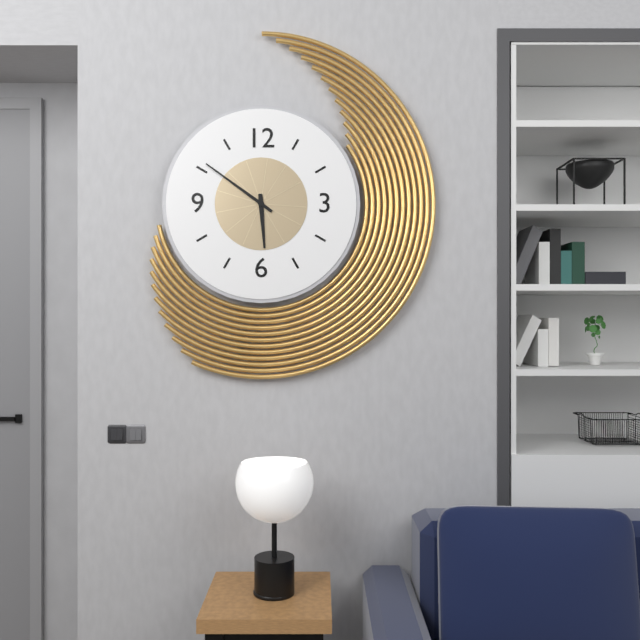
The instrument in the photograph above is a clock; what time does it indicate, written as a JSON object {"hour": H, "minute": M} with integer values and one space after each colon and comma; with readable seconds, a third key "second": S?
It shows {"hour": 5, "minute": 51}
